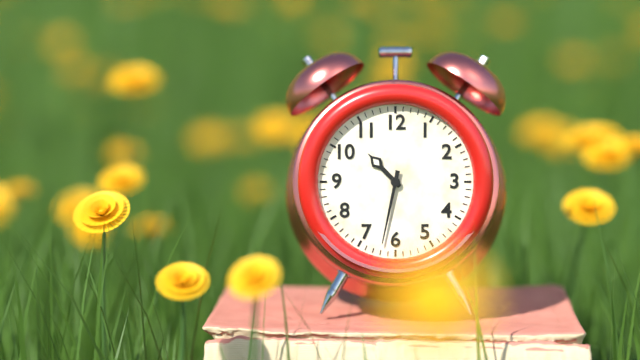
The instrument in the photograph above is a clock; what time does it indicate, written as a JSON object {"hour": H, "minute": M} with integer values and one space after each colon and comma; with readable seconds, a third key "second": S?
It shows {"hour": 10, "minute": 32}
